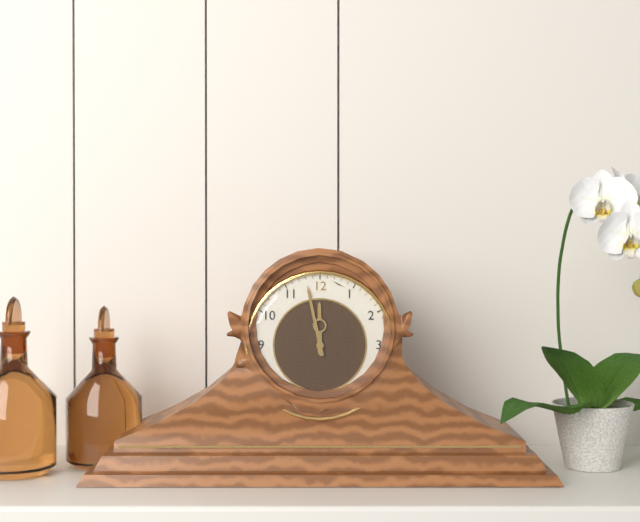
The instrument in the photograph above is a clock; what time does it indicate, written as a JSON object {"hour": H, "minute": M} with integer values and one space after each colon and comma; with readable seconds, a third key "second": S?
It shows {"hour": 11, "minute": 58}
